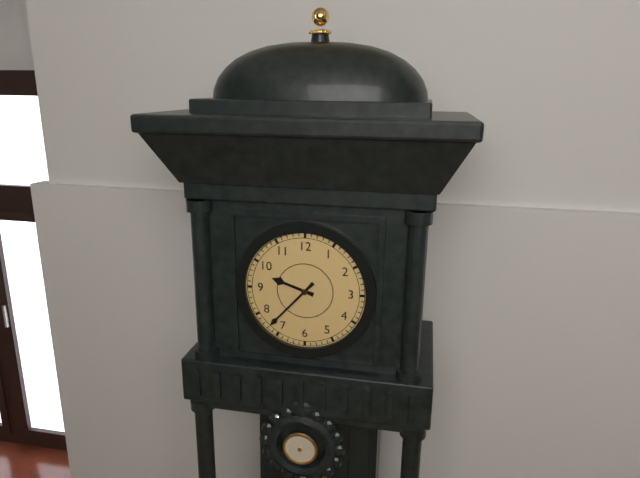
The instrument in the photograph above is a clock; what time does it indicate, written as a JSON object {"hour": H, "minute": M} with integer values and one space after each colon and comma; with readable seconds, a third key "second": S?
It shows {"hour": 9, "minute": 37}
